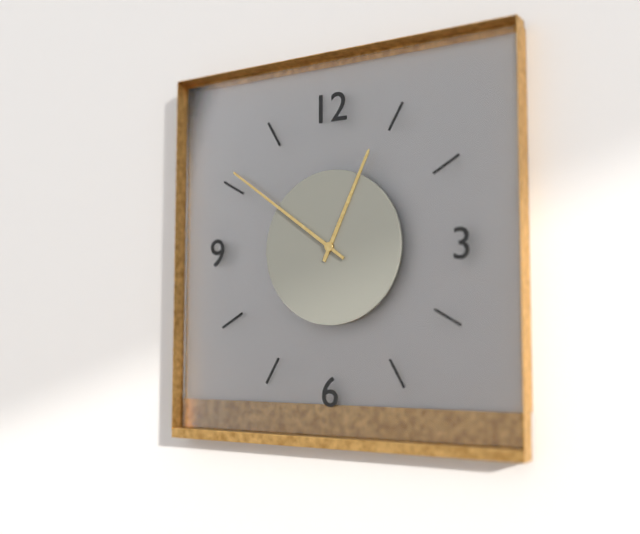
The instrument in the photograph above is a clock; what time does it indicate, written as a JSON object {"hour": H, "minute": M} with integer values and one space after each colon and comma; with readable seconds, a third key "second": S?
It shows {"hour": 12, "minute": 51}
